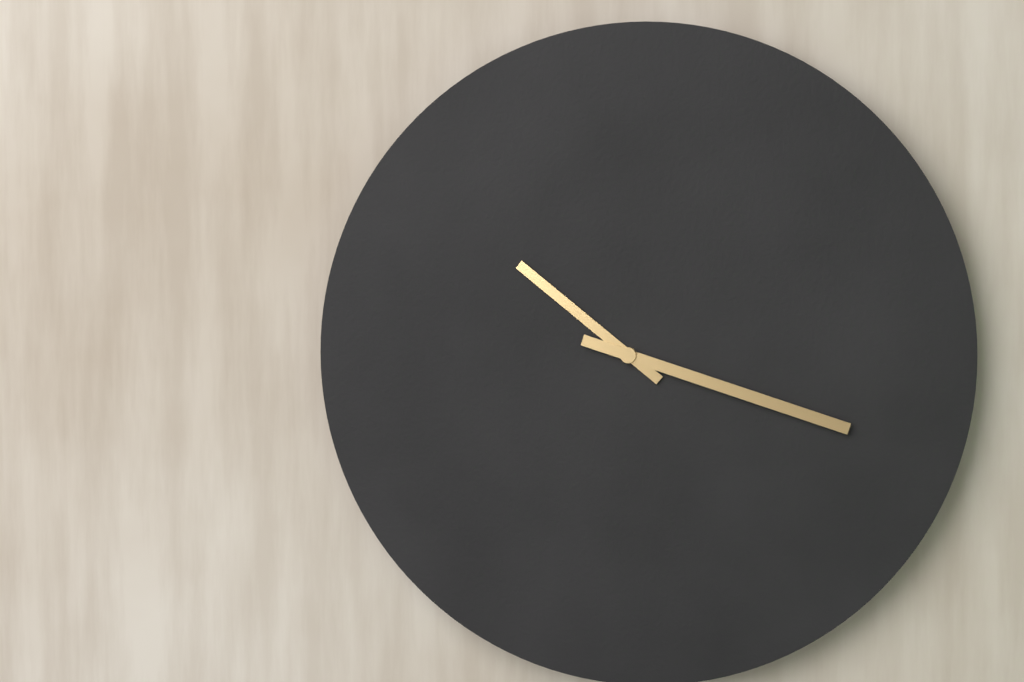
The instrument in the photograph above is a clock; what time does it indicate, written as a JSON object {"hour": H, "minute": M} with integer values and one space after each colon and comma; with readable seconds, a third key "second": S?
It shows {"hour": 10, "minute": 18}
